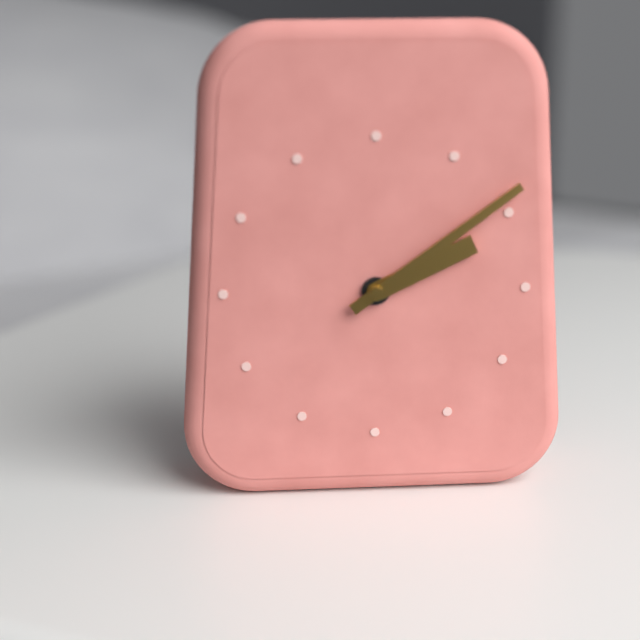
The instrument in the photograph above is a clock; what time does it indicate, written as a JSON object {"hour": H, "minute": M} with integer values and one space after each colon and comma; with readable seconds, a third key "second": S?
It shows {"hour": 2, "minute": 9}
